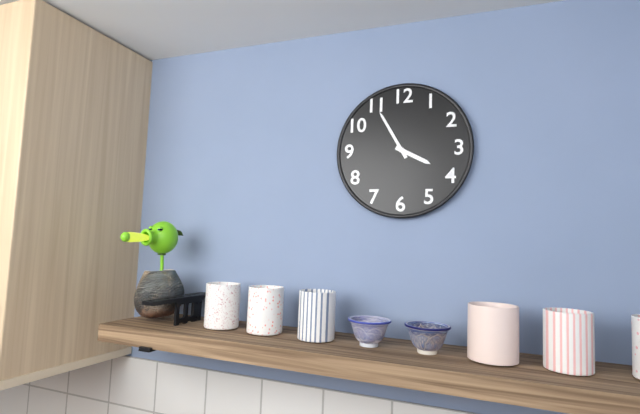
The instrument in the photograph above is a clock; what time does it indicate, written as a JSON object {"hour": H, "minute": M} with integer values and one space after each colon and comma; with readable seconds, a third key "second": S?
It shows {"hour": 3, "minute": 55}
